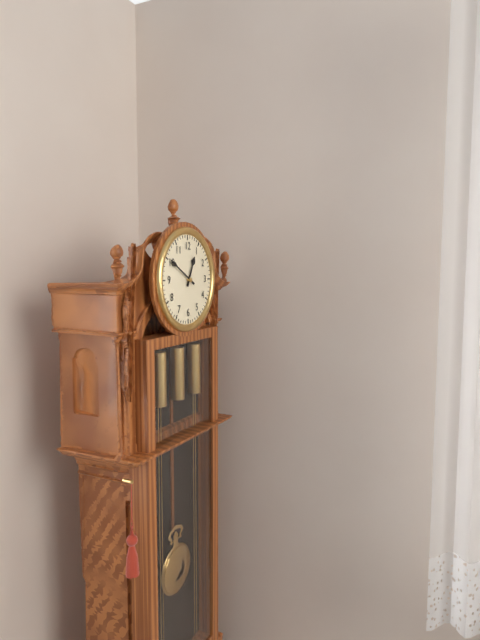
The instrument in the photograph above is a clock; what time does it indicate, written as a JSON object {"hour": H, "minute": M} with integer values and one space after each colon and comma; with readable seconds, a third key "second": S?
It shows {"hour": 12, "minute": 50}
